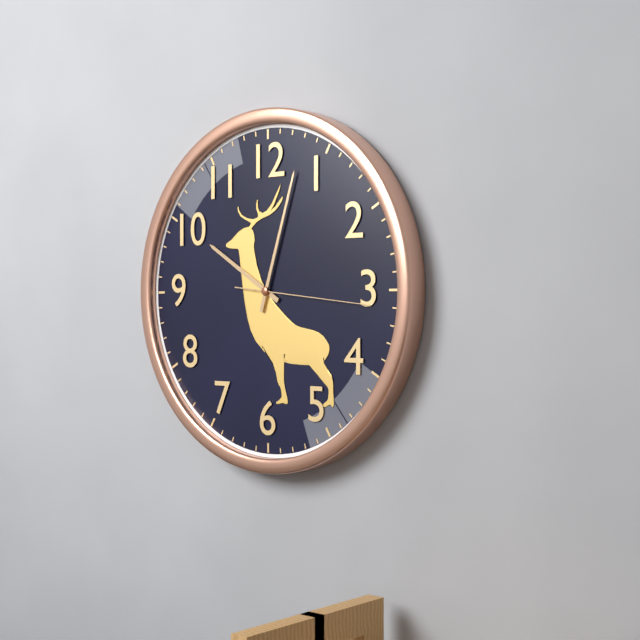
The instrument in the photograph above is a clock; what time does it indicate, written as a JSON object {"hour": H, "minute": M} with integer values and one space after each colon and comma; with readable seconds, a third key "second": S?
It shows {"hour": 10, "minute": 3, "second": 16}
